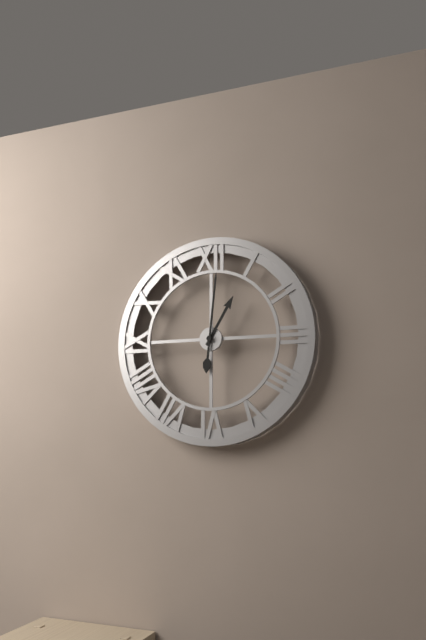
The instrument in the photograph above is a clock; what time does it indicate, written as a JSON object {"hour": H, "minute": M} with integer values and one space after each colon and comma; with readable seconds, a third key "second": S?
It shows {"hour": 1, "minute": 1}
